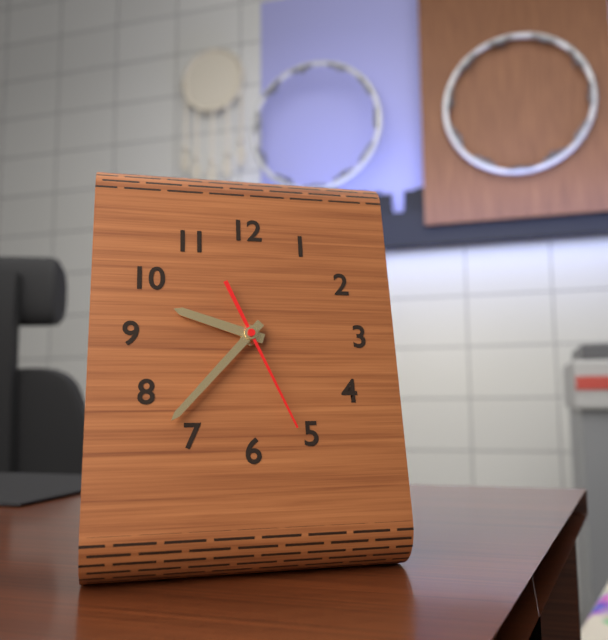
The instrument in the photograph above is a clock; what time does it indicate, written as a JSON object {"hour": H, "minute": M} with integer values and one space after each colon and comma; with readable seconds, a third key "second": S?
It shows {"hour": 9, "minute": 37, "second": 26}
